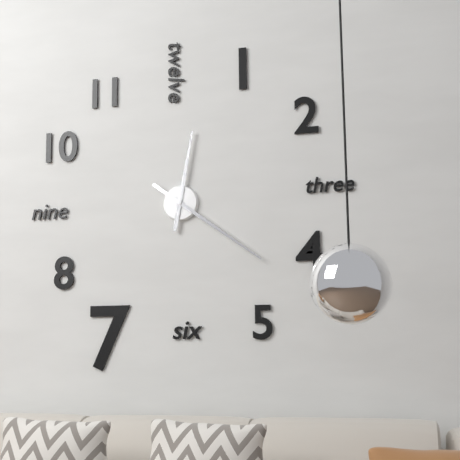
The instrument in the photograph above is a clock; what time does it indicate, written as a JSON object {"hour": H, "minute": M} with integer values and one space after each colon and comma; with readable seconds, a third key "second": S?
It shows {"hour": 12, "minute": 21}
